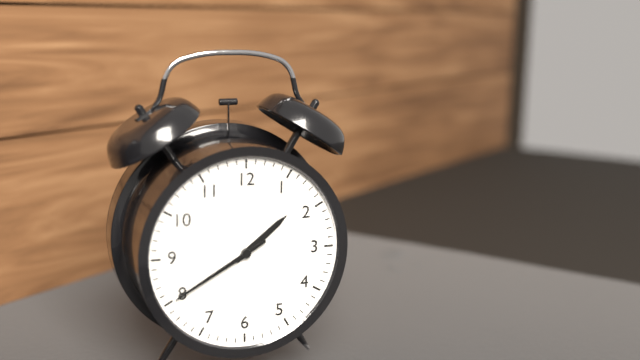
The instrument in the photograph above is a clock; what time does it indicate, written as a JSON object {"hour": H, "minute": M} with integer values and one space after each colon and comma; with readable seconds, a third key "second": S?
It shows {"hour": 1, "minute": 40}
